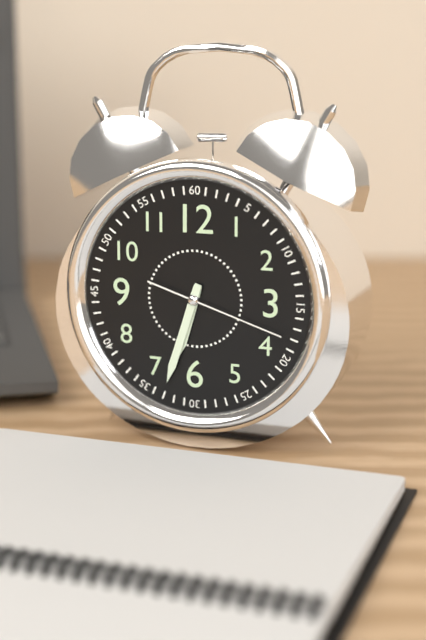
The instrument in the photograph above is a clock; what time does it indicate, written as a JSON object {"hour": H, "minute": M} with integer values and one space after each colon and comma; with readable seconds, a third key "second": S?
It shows {"hour": 6, "minute": 33, "second": 18}
